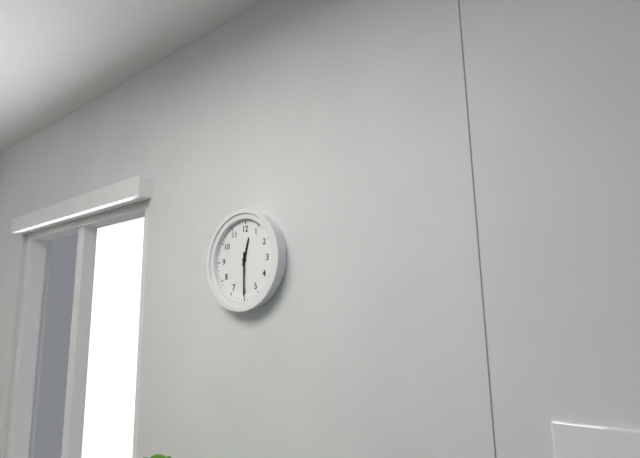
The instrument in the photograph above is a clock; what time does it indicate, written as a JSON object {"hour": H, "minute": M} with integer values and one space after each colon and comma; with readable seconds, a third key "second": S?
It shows {"hour": 12, "minute": 30}
